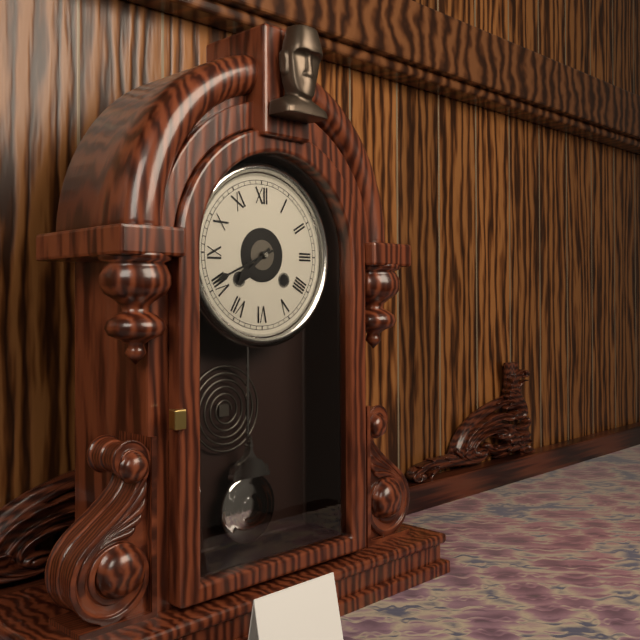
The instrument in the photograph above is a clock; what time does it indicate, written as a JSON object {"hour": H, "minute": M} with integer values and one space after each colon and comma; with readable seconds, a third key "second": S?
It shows {"hour": 7, "minute": 41}
